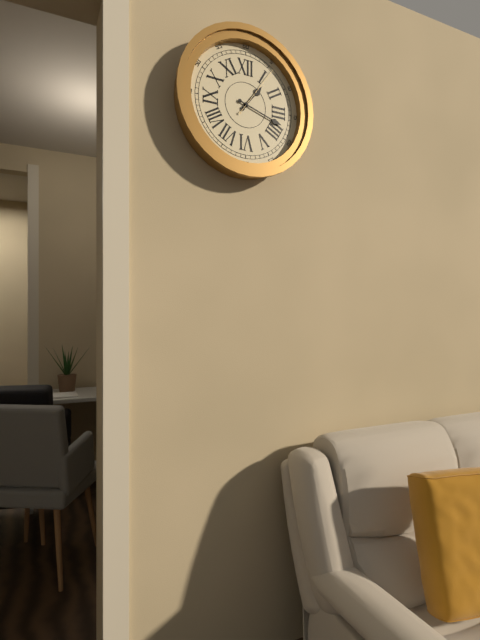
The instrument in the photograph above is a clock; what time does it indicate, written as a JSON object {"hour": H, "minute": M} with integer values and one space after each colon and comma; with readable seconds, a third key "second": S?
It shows {"hour": 1, "minute": 18, "second": 6}
